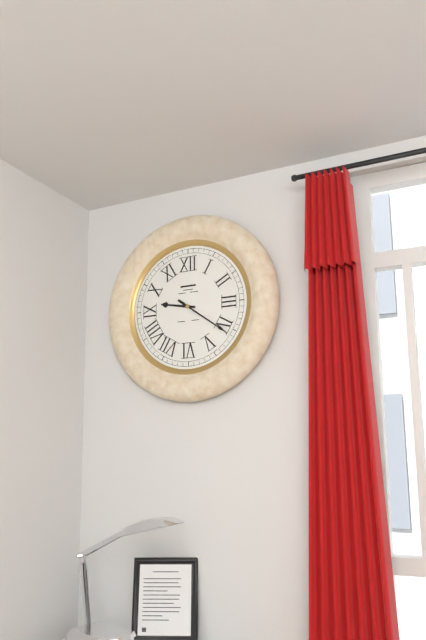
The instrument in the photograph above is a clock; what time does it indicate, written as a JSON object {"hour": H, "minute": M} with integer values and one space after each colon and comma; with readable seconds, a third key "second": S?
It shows {"hour": 9, "minute": 21}
